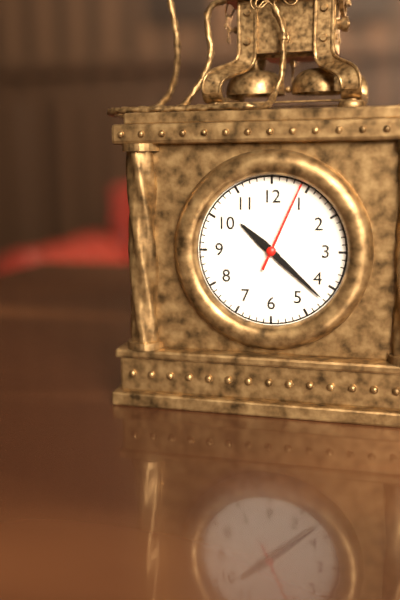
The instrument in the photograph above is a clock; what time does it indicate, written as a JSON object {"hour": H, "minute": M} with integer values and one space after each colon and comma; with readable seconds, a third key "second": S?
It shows {"hour": 10, "minute": 22, "second": 4}
